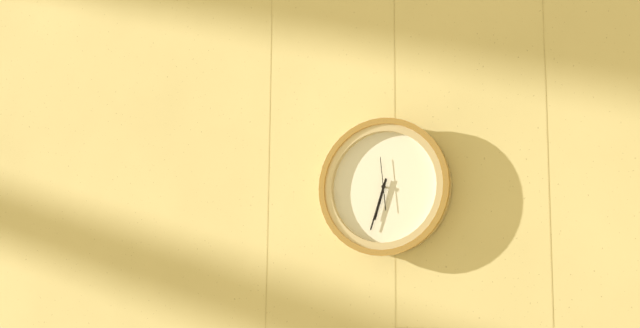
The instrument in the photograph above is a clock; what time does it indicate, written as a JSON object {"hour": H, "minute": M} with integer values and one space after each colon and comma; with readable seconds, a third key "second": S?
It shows {"hour": 6, "minute": 33}
